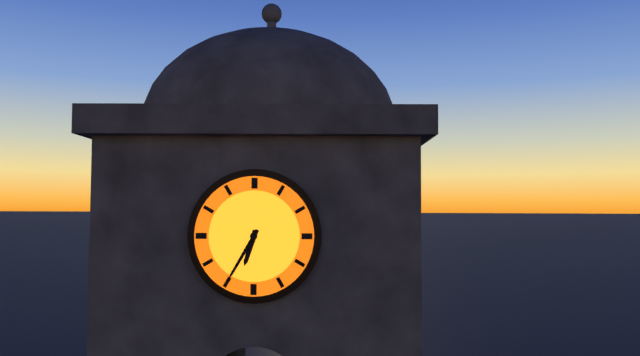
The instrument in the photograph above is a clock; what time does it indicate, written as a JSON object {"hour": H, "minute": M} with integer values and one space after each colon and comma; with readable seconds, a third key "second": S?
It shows {"hour": 6, "minute": 35}
